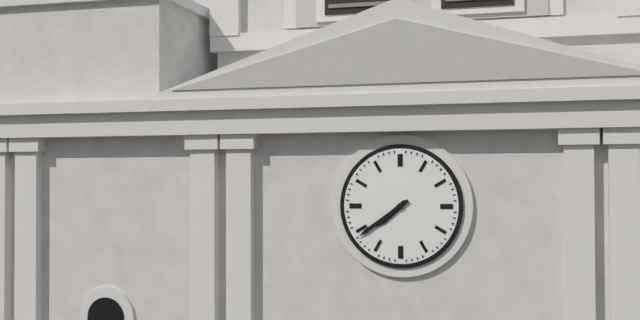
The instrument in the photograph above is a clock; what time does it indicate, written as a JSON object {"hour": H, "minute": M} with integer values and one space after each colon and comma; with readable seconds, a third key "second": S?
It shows {"hour": 7, "minute": 39}
